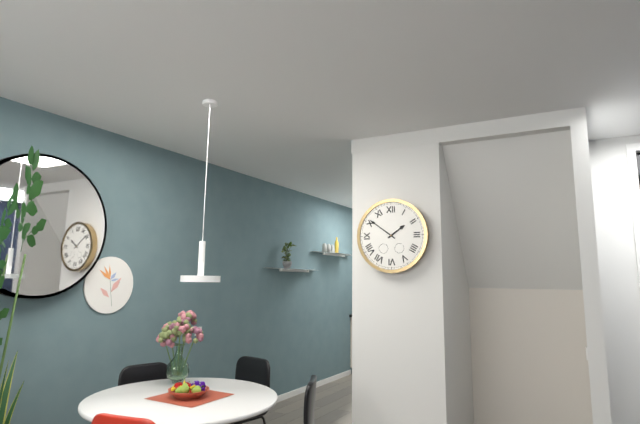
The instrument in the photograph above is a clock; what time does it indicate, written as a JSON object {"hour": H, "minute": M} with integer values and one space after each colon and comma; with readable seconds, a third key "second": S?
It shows {"hour": 1, "minute": 51}
